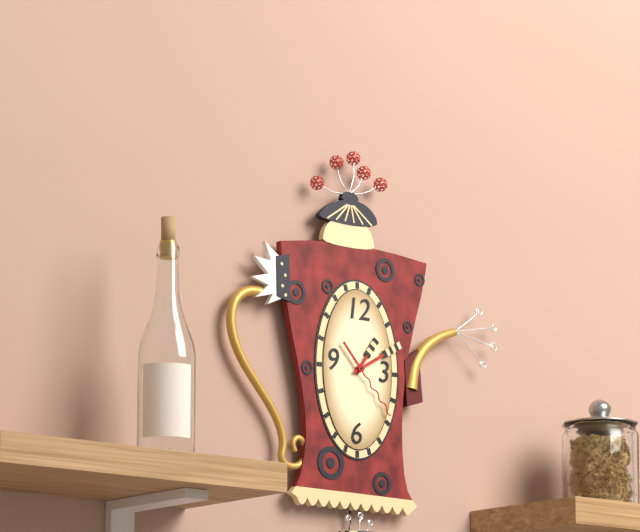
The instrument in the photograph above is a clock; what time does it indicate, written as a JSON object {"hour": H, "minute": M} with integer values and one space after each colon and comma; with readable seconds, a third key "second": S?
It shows {"hour": 1, "minute": 10, "second": 23}
